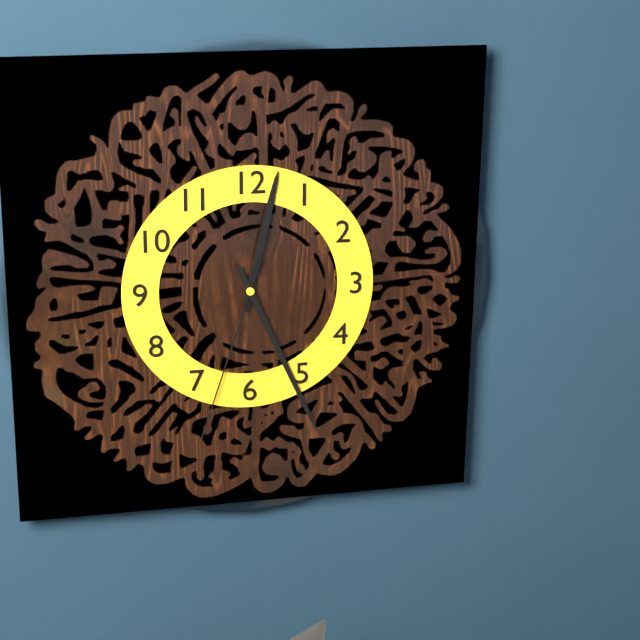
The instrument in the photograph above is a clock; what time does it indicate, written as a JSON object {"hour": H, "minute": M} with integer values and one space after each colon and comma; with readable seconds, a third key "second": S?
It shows {"hour": 12, "minute": 26, "second": 33}
